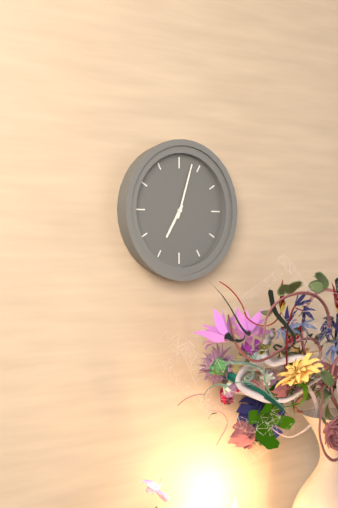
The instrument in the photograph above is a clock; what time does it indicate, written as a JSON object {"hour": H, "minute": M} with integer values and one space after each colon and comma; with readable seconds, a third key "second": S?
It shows {"hour": 7, "minute": 3}
